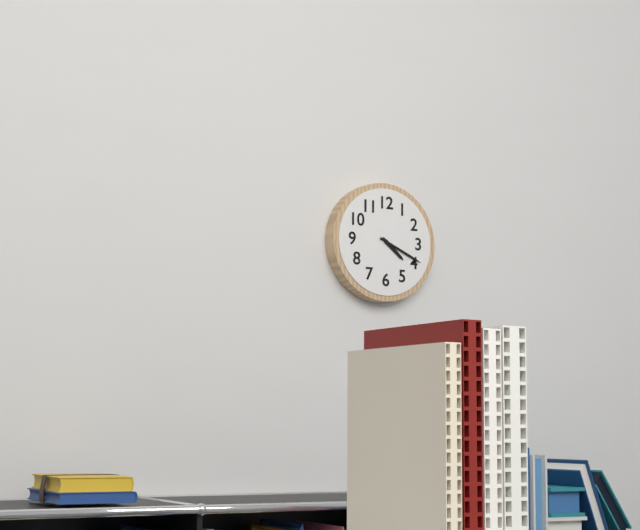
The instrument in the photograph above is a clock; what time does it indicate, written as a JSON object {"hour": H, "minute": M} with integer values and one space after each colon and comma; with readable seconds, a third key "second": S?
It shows {"hour": 4, "minute": 19}
